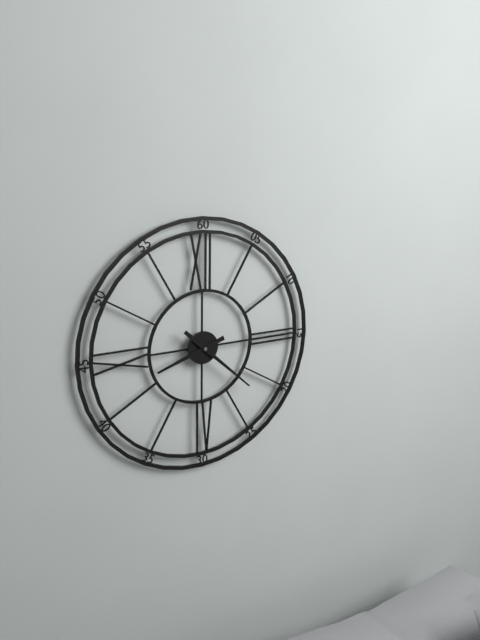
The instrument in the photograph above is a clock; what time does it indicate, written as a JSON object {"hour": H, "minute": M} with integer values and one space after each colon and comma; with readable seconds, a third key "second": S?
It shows {"hour": 8, "minute": 22}
